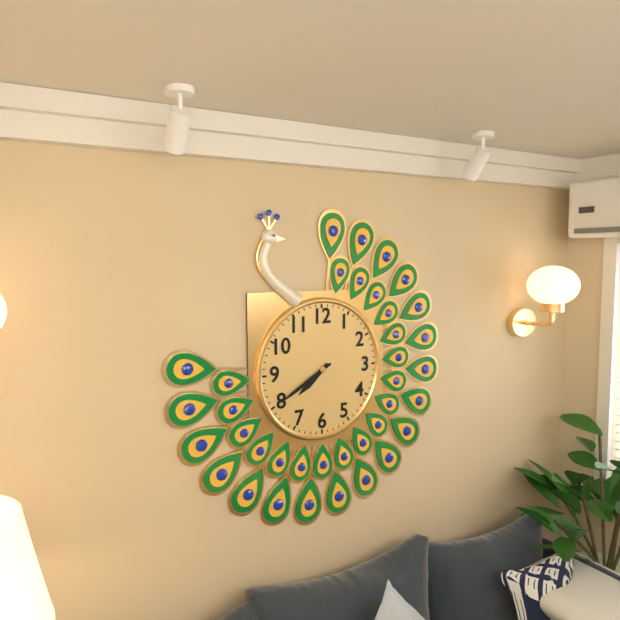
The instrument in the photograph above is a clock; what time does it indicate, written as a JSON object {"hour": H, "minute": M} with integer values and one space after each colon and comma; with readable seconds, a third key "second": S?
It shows {"hour": 7, "minute": 40}
